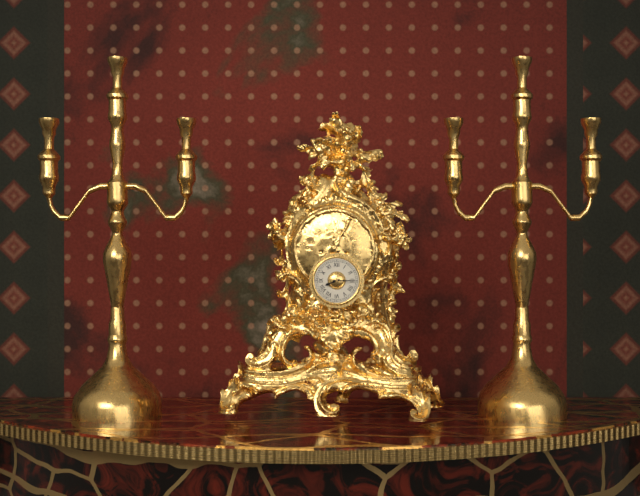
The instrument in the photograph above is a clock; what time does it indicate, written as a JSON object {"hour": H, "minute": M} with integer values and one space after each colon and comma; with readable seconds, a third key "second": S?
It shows {"hour": 8, "minute": 15}
